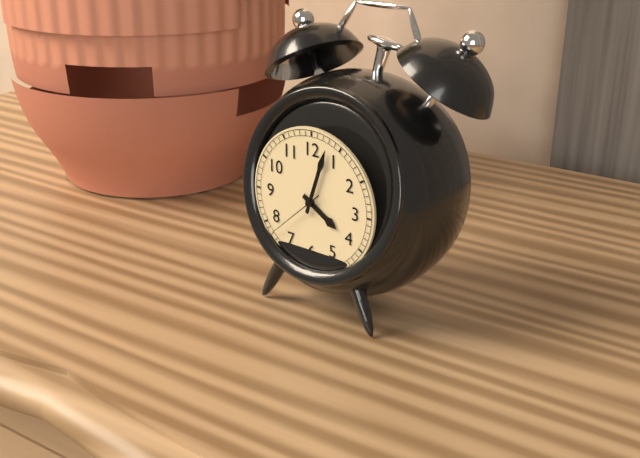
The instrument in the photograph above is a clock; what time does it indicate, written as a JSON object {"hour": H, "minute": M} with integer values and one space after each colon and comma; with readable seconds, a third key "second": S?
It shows {"hour": 4, "minute": 3, "second": 38}
